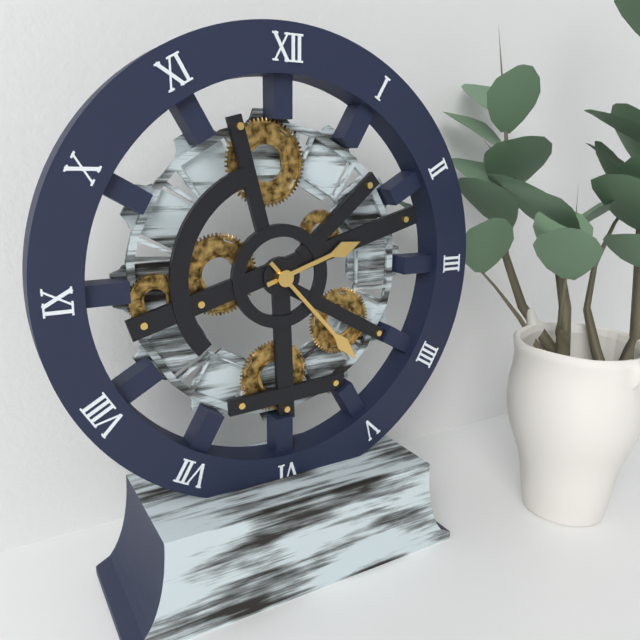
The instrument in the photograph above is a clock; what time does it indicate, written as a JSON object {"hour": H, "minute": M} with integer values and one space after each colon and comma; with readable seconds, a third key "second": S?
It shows {"hour": 2, "minute": 23}
